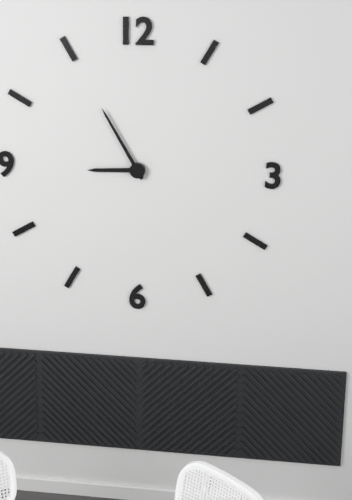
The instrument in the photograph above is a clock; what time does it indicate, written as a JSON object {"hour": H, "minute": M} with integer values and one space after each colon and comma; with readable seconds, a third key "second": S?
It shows {"hour": 8, "minute": 55}
